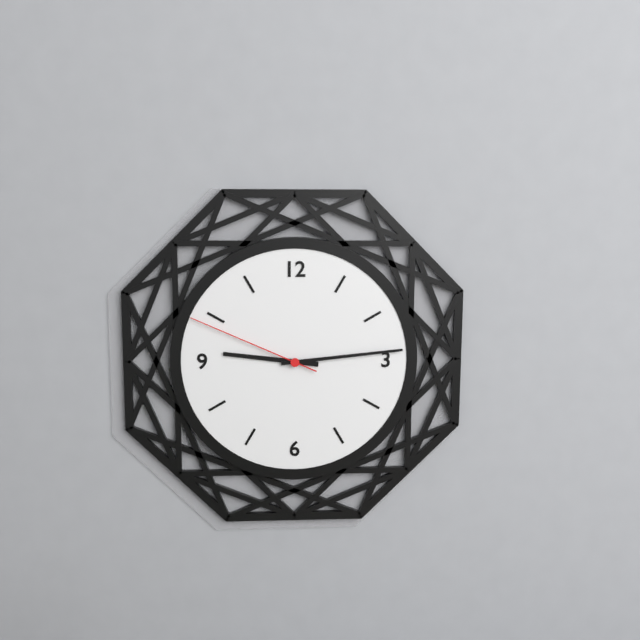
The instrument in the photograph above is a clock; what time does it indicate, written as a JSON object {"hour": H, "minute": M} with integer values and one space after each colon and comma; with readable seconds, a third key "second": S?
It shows {"hour": 9, "minute": 14, "second": 49}
